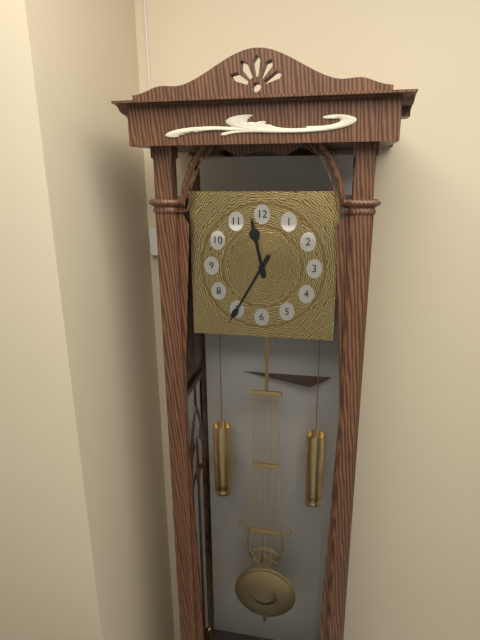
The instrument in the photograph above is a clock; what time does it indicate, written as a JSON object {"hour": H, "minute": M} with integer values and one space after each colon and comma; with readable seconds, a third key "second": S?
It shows {"hour": 11, "minute": 35}
